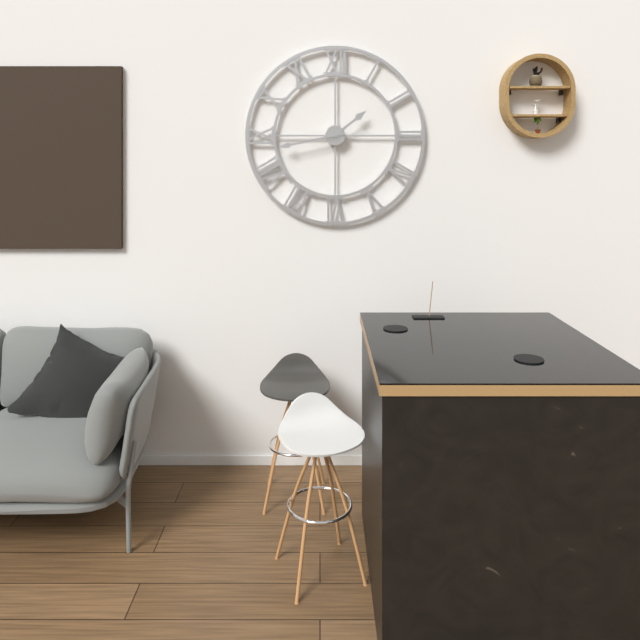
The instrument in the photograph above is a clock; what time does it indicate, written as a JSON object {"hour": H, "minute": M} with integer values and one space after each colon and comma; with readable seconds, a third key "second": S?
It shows {"hour": 1, "minute": 43}
